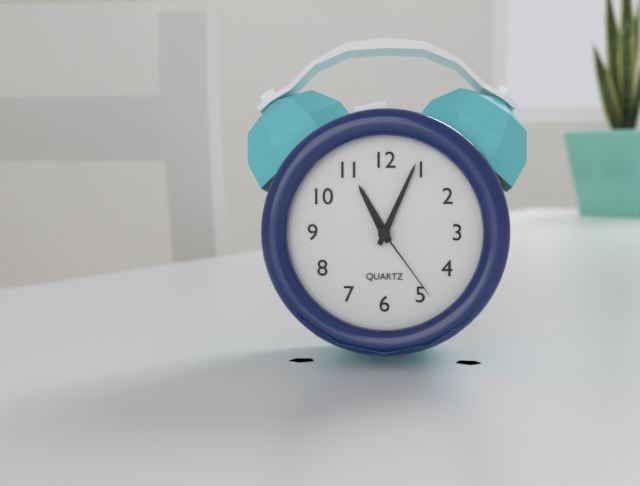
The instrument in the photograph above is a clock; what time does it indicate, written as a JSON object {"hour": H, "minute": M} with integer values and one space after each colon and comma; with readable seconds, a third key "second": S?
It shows {"hour": 11, "minute": 4, "second": 24}
